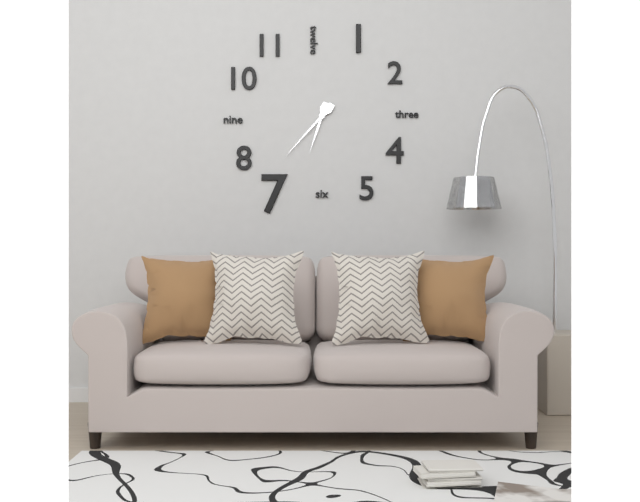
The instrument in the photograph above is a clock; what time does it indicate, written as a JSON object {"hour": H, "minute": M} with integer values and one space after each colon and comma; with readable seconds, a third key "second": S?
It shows {"hour": 6, "minute": 37}
